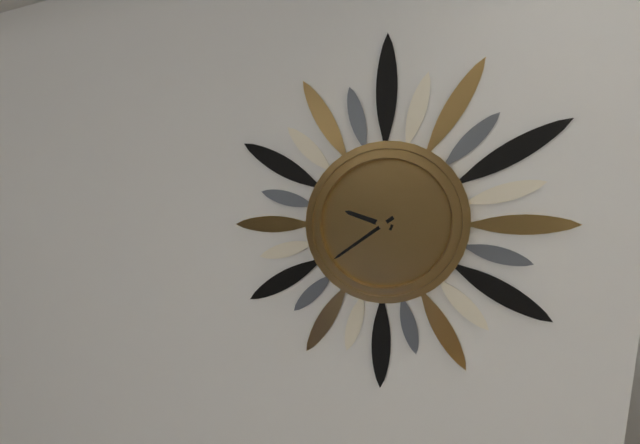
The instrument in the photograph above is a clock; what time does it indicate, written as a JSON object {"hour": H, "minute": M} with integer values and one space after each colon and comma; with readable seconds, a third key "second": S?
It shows {"hour": 9, "minute": 39}
